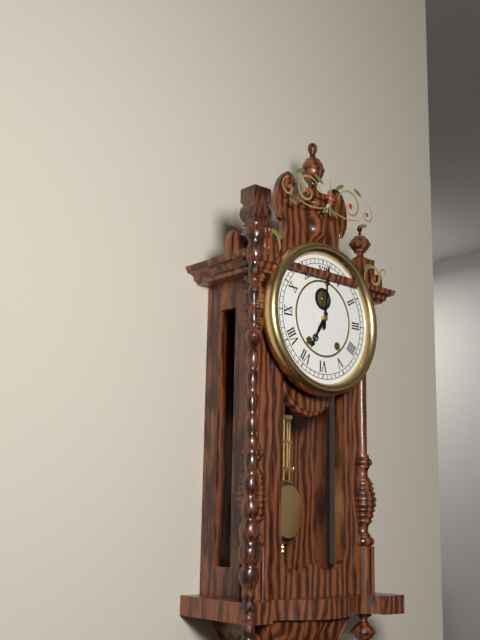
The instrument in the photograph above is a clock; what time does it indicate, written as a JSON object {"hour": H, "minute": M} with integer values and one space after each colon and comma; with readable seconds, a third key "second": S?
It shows {"hour": 7, "minute": 1}
